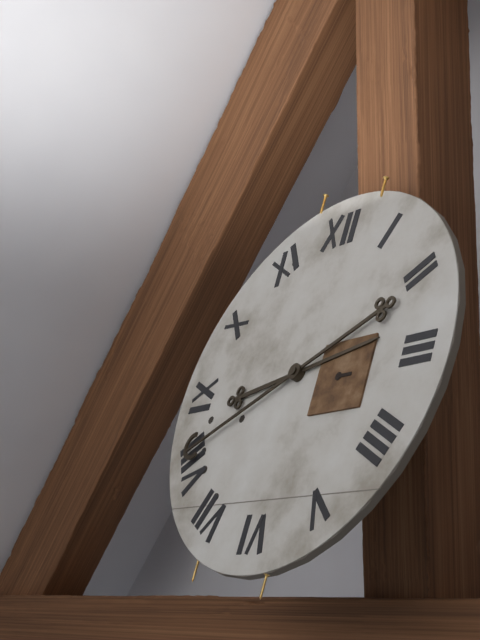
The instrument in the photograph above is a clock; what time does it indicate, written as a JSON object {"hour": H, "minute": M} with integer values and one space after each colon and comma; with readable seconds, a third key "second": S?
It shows {"hour": 2, "minute": 41}
